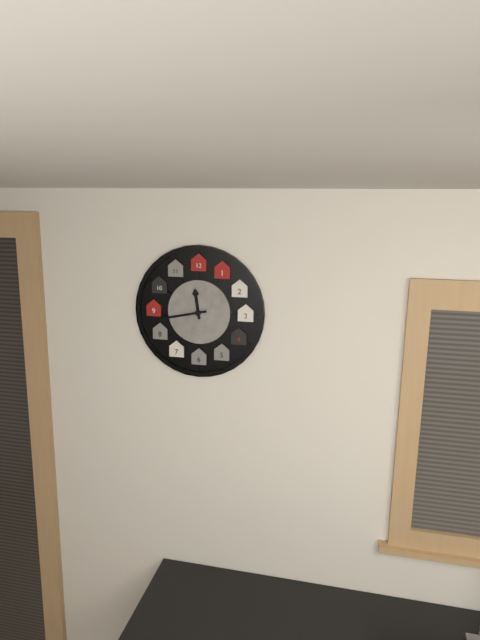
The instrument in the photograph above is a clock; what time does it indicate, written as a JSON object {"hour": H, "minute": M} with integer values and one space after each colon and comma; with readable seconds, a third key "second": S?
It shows {"hour": 11, "minute": 43}
